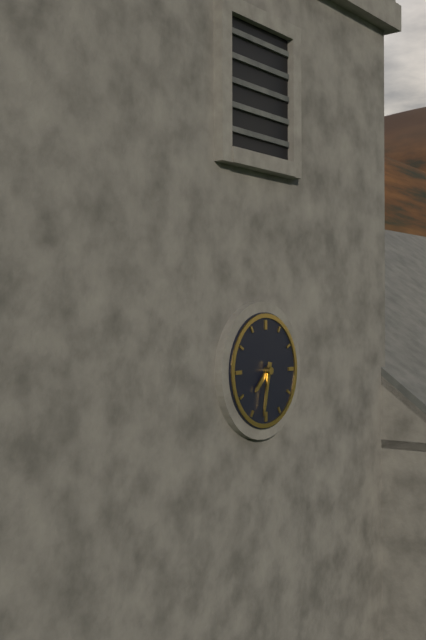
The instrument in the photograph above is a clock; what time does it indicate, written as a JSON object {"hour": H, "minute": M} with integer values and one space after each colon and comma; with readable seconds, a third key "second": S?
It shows {"hour": 7, "minute": 32}
